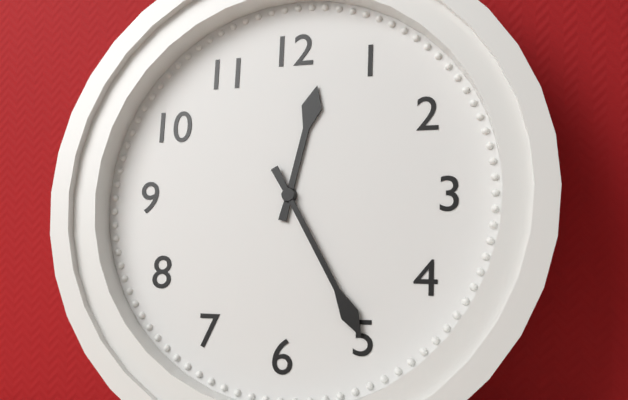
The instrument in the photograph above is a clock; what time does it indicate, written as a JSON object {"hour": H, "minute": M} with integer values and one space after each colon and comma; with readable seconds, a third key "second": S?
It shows {"hour": 12, "minute": 25}
